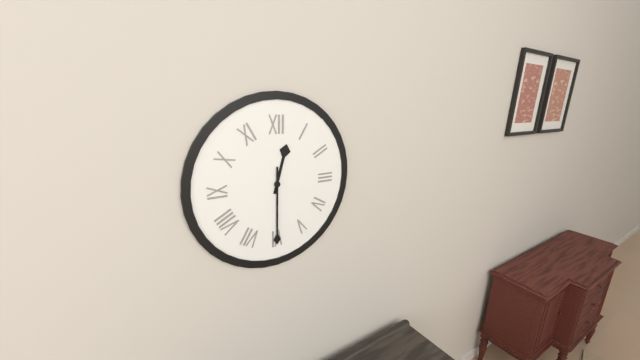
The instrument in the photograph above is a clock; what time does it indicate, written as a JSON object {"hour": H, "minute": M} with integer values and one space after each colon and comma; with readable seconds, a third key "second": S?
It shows {"hour": 12, "minute": 30}
